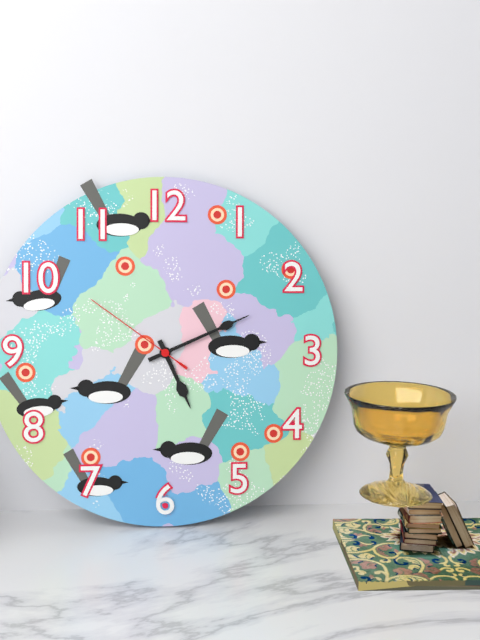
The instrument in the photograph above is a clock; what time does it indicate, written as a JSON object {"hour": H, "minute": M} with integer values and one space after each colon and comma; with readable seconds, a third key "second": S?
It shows {"hour": 5, "minute": 11, "second": 51}
